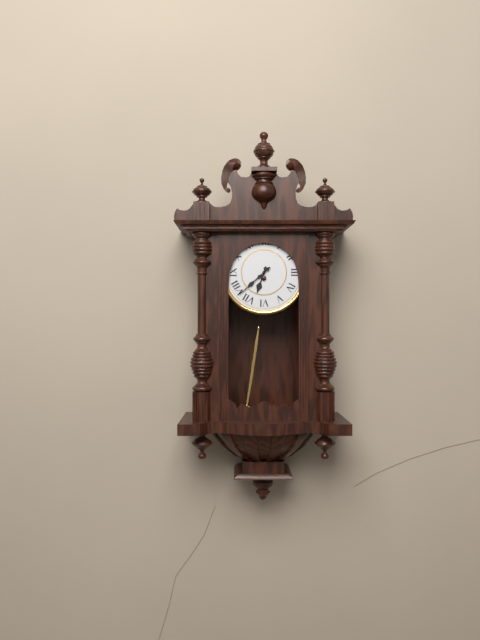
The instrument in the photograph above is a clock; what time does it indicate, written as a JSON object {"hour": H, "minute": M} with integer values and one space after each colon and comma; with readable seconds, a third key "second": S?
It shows {"hour": 6, "minute": 38}
